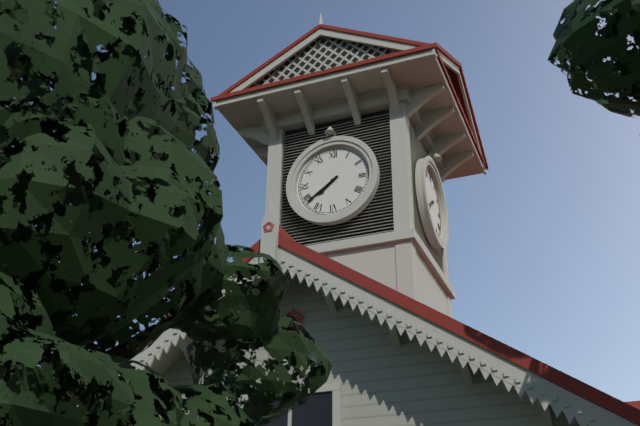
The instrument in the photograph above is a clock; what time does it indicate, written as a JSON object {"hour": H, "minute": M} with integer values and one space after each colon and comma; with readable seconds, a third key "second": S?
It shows {"hour": 7, "minute": 39}
